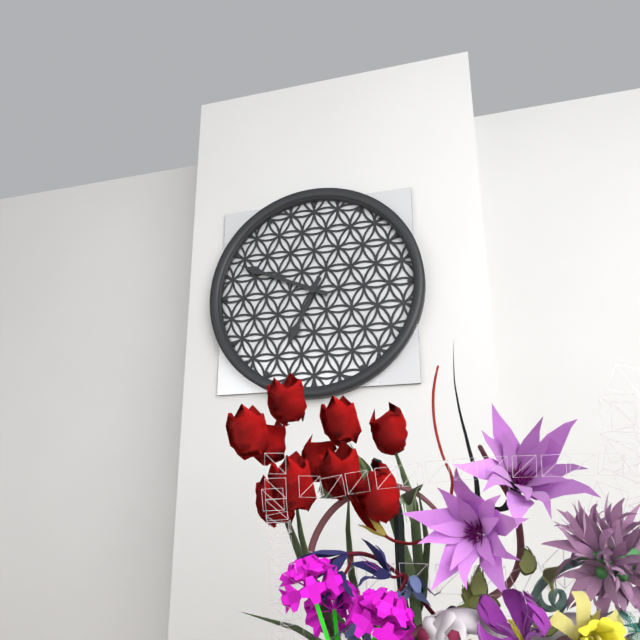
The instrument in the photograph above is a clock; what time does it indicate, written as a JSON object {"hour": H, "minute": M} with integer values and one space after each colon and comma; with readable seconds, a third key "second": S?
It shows {"hour": 6, "minute": 49}
